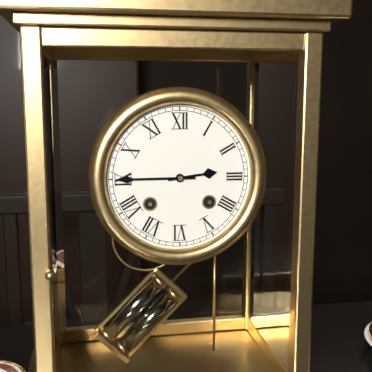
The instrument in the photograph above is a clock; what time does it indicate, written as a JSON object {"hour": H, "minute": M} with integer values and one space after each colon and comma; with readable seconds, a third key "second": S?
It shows {"hour": 2, "minute": 45}
